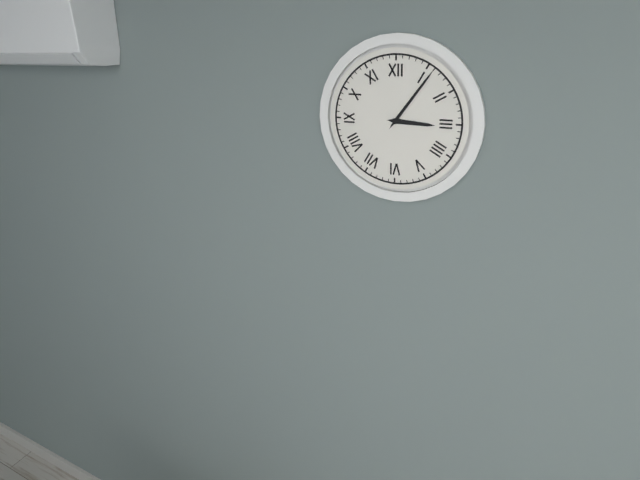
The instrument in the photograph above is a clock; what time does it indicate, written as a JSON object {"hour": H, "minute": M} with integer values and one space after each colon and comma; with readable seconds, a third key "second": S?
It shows {"hour": 3, "minute": 6}
